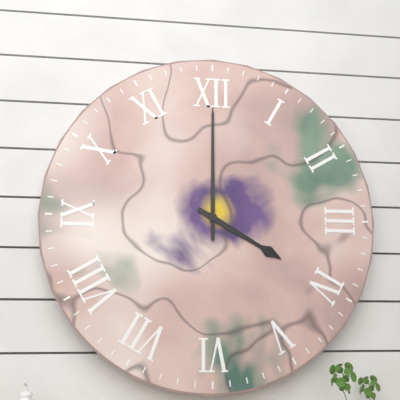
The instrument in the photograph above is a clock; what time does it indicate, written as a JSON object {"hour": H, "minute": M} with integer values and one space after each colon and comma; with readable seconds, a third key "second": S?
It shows {"hour": 4, "minute": 0}
